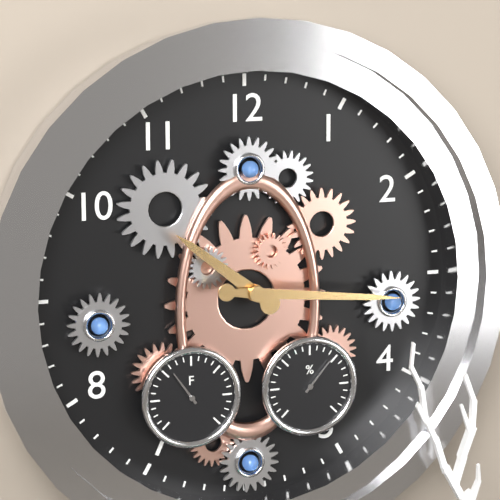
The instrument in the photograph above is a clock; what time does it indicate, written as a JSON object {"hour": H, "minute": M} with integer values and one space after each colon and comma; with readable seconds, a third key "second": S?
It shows {"hour": 10, "minute": 16}
